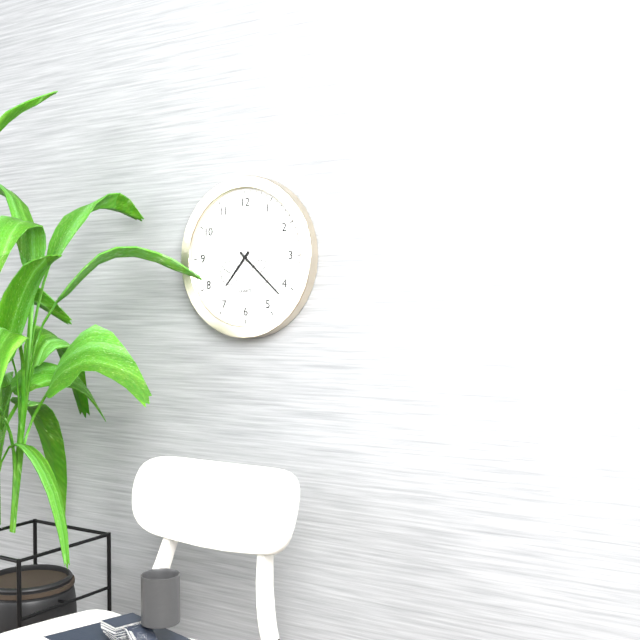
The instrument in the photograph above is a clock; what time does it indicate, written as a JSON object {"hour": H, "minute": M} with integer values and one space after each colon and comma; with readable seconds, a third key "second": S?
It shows {"hour": 7, "minute": 22, "second": 28}
